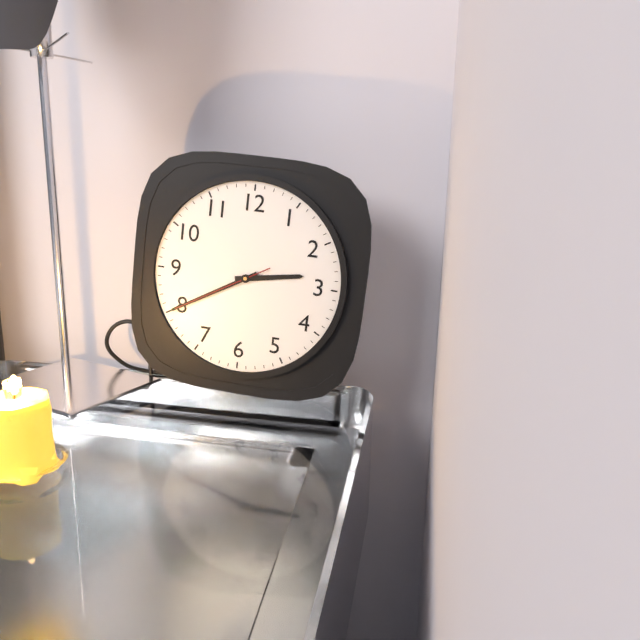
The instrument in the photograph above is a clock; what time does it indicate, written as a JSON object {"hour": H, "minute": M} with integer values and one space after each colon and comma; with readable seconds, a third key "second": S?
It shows {"hour": 2, "minute": 40, "second": 40}
